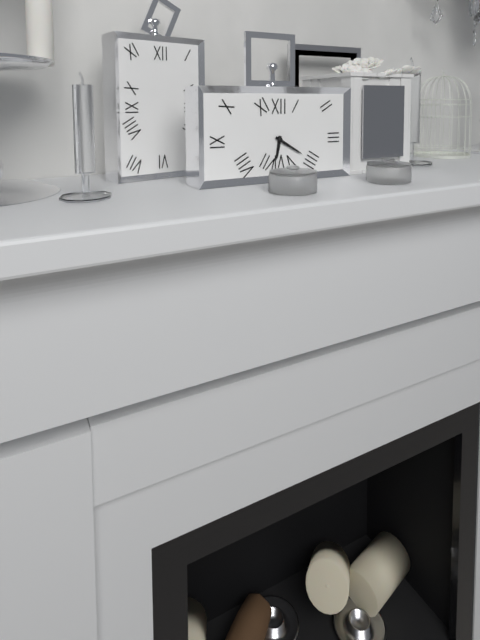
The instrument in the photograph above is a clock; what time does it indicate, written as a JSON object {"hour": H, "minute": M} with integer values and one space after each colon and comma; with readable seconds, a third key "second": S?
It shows {"hour": 6, "minute": 20}
